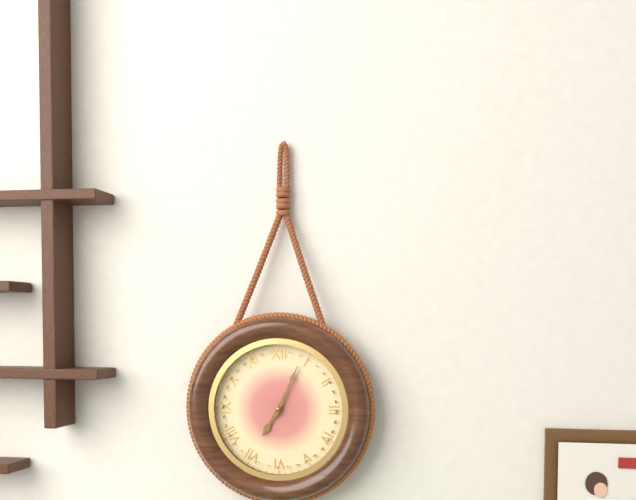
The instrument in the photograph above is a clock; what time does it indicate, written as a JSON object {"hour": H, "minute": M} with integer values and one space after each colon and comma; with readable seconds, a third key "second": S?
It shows {"hour": 7, "minute": 4}
